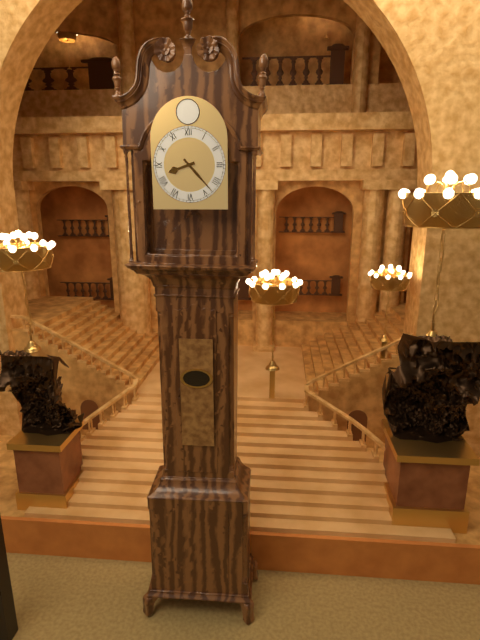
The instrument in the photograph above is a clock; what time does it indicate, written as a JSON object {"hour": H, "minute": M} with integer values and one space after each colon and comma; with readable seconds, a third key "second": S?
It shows {"hour": 8, "minute": 23}
